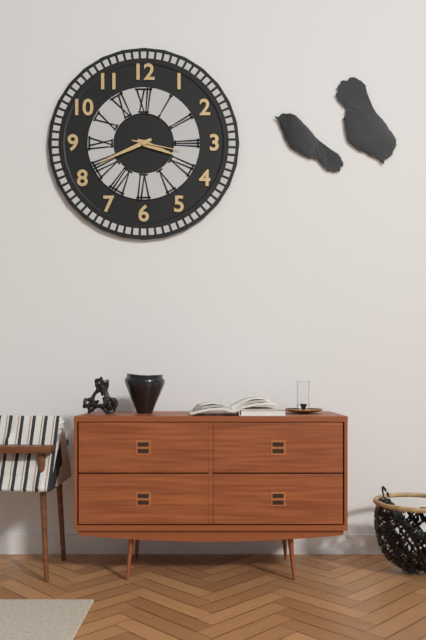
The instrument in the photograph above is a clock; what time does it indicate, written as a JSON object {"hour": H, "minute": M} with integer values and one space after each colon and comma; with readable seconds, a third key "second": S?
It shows {"hour": 3, "minute": 41}
